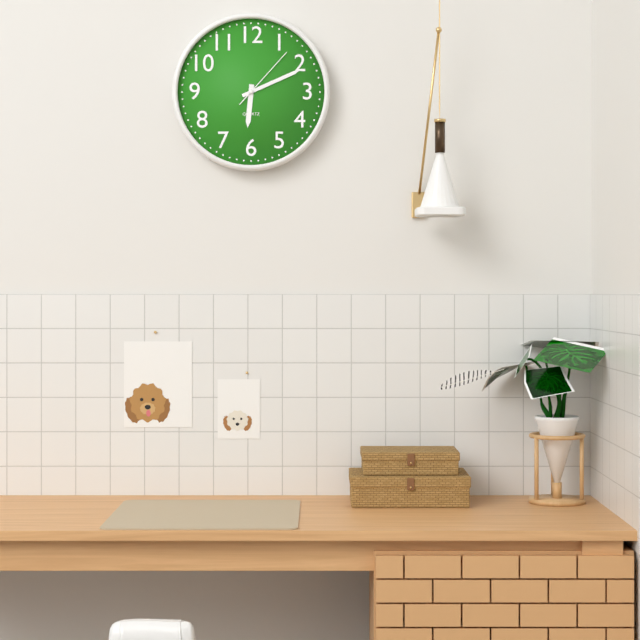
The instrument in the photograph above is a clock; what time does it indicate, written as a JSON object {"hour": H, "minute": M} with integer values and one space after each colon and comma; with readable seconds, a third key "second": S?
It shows {"hour": 6, "minute": 11, "second": 7}
